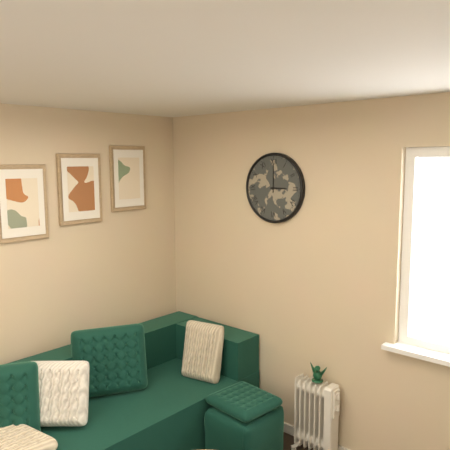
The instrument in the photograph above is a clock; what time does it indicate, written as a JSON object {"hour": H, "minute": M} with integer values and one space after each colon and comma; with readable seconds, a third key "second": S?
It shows {"hour": 3, "minute": 0}
